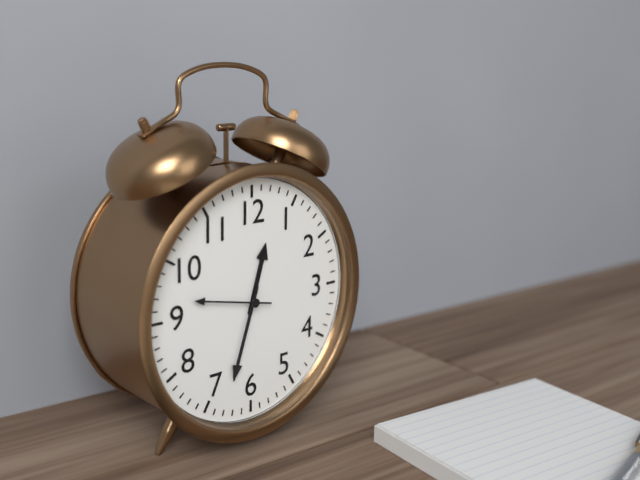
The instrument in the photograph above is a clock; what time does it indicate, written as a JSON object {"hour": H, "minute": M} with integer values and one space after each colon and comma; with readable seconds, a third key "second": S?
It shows {"hour": 12, "minute": 33, "second": 47}
